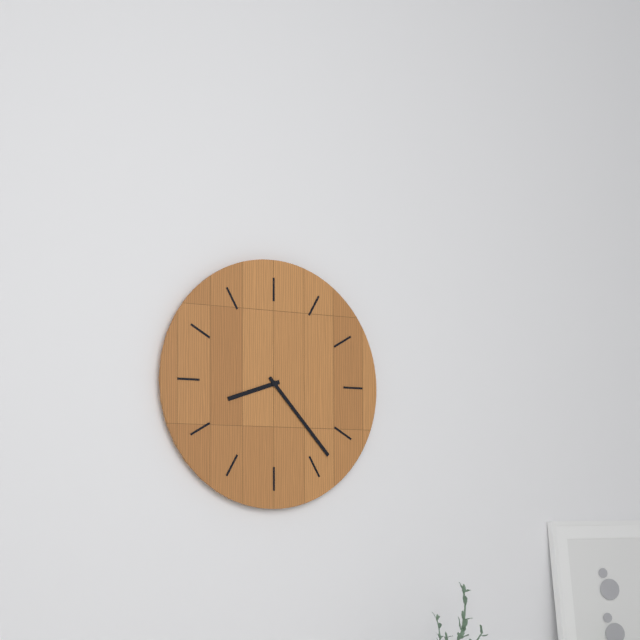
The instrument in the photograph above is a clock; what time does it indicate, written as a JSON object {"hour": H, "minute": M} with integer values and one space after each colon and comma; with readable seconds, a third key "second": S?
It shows {"hour": 8, "minute": 23}
